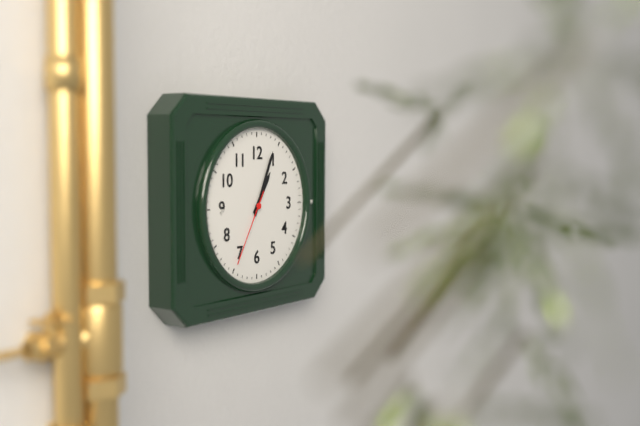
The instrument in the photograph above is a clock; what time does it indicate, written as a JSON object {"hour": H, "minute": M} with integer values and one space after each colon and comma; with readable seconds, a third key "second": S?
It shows {"hour": 1, "minute": 4, "second": 35}
